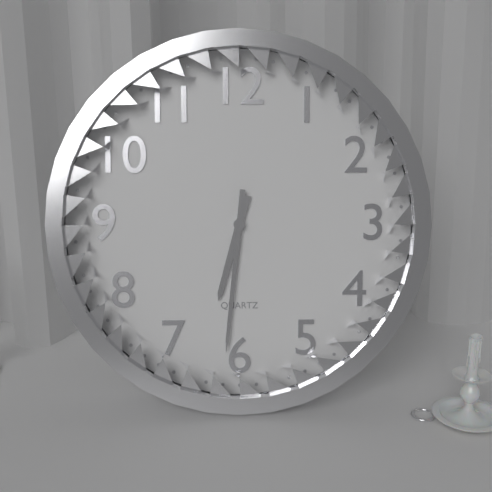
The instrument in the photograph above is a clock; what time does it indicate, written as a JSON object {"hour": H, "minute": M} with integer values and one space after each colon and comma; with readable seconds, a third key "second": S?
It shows {"hour": 6, "minute": 31}
